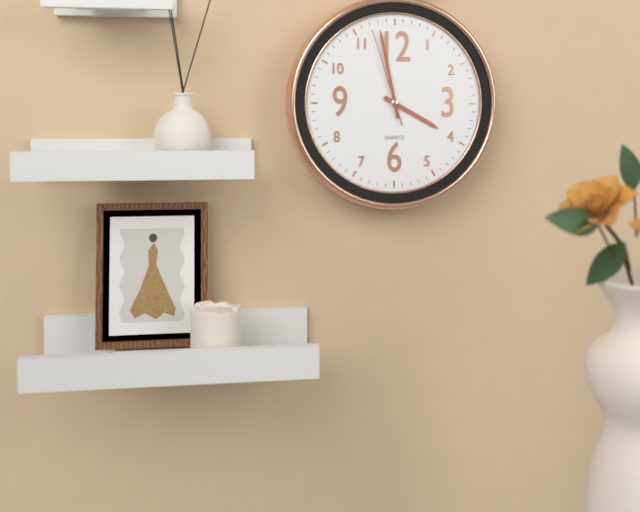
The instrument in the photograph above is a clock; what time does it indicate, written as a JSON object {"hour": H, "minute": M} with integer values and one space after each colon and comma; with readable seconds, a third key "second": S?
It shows {"hour": 3, "minute": 58, "second": 57}
